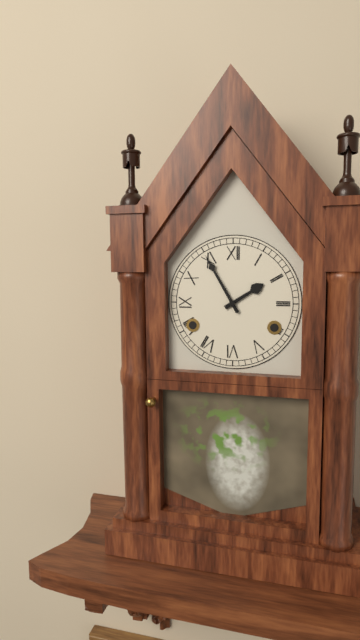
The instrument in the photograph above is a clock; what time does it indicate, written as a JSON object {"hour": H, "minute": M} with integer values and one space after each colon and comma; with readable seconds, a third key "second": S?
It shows {"hour": 1, "minute": 55}
